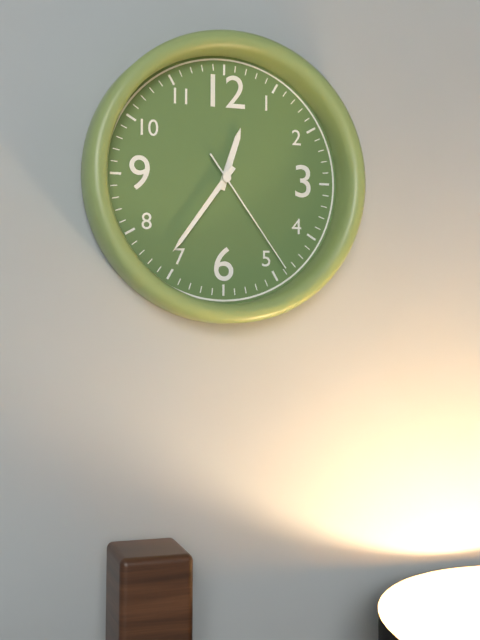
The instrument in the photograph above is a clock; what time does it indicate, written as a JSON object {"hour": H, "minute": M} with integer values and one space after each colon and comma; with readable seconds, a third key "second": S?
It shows {"hour": 12, "minute": 36, "second": 24}
